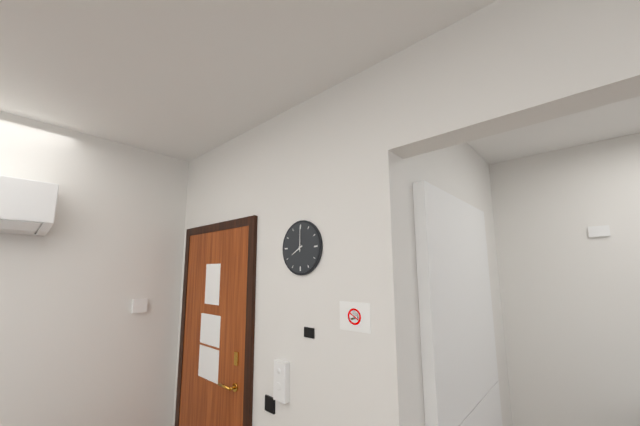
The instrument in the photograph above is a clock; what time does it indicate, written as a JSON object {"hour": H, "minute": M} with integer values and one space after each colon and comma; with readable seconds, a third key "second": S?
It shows {"hour": 8, "minute": 0}
